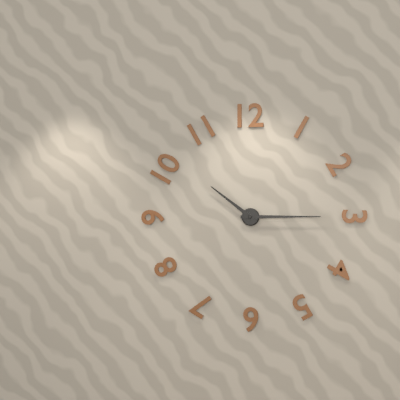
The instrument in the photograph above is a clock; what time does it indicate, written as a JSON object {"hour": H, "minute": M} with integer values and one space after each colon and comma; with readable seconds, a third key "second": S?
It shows {"hour": 10, "minute": 15}
